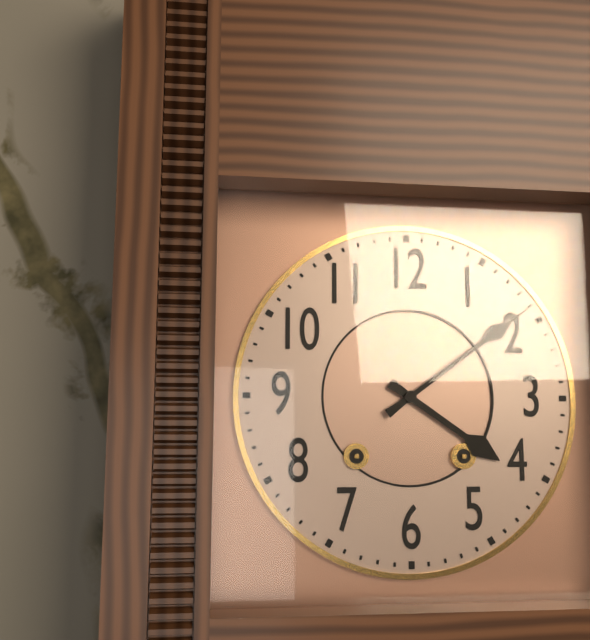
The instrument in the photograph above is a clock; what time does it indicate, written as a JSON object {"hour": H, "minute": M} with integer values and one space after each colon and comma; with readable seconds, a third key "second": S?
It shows {"hour": 4, "minute": 9}
